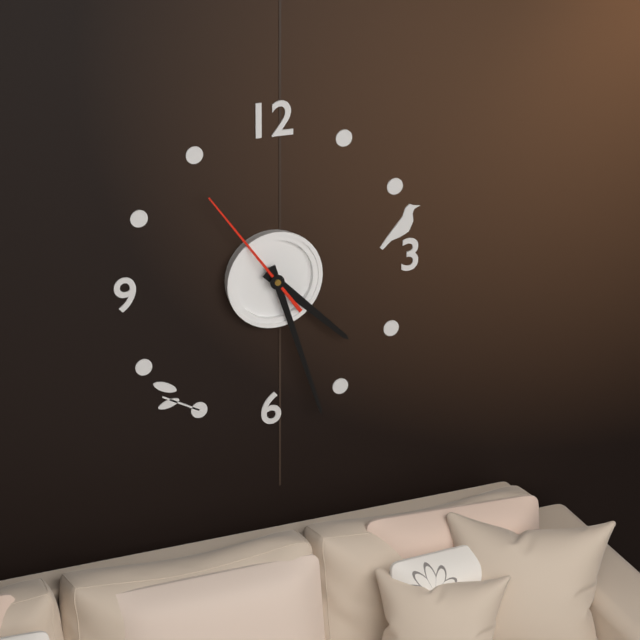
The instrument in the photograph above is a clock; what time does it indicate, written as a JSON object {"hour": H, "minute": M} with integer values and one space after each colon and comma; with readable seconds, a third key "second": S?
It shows {"hour": 4, "minute": 27, "second": 54}
